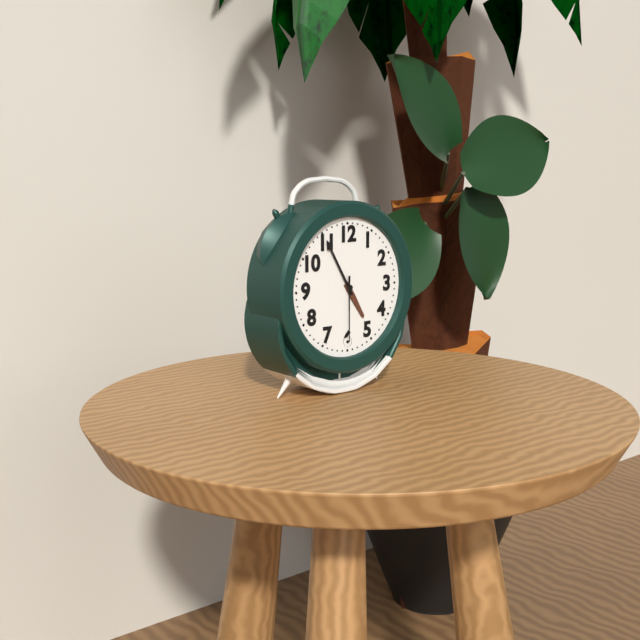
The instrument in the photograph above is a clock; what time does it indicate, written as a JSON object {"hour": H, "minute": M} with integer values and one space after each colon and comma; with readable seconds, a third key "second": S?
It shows {"hour": 4, "minute": 55, "second": 30}
